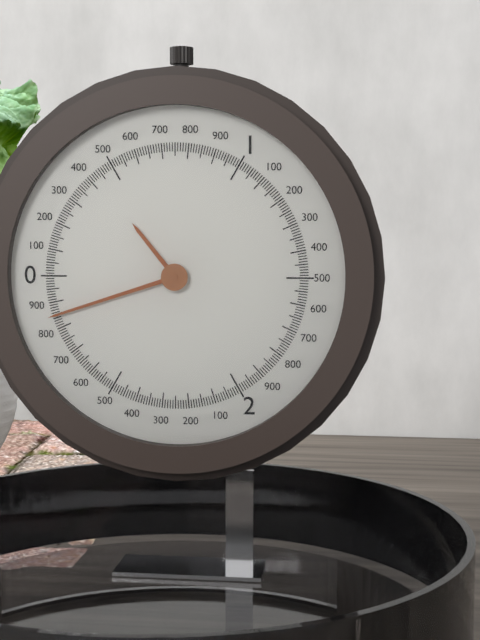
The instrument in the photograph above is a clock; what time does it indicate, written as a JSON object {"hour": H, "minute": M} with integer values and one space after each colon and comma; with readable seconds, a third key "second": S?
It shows {"hour": 10, "minute": 42}
